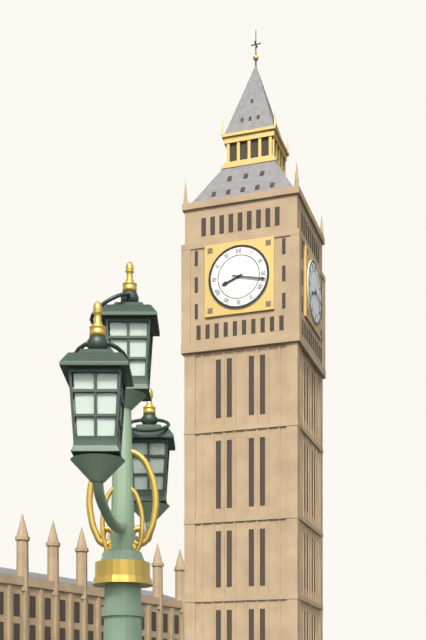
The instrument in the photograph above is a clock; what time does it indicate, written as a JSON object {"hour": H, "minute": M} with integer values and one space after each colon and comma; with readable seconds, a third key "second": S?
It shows {"hour": 8, "minute": 17}
